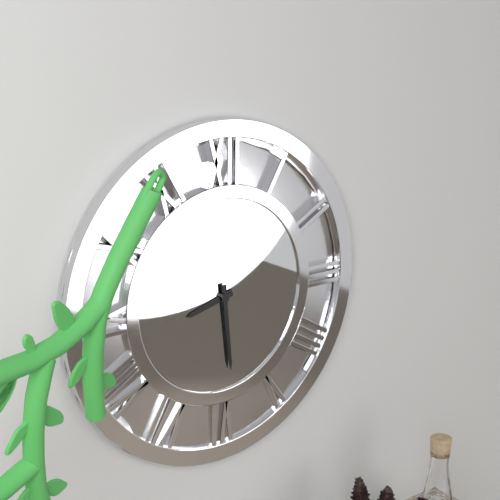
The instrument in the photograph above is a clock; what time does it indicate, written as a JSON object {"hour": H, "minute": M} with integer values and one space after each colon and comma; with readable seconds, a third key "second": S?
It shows {"hour": 8, "minute": 29}
